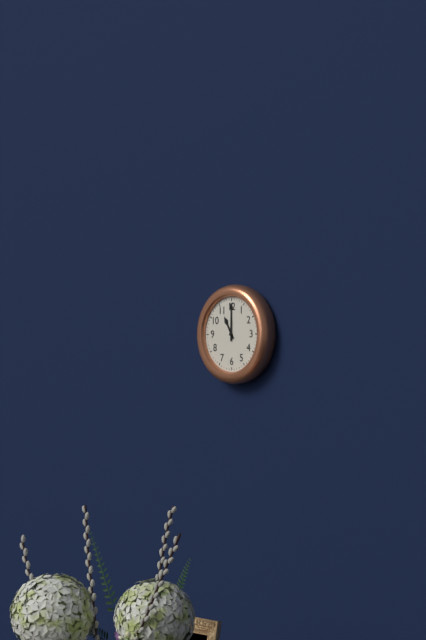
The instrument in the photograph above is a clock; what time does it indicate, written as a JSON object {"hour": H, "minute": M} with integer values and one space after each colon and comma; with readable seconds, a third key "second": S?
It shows {"hour": 11, "minute": 0}
